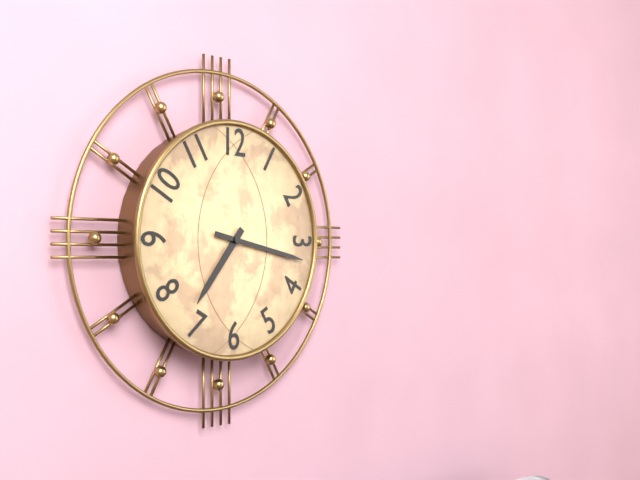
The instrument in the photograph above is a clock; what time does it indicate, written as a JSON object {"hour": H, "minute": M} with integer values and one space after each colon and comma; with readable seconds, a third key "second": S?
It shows {"hour": 7, "minute": 17}
